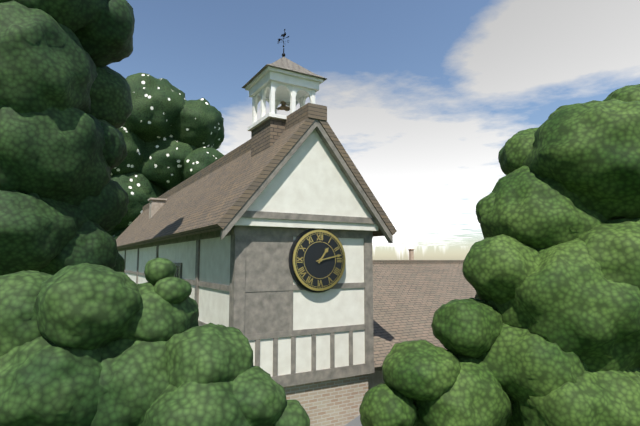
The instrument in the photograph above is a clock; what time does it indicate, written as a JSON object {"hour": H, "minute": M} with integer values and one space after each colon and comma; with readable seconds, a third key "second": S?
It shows {"hour": 1, "minute": 13}
